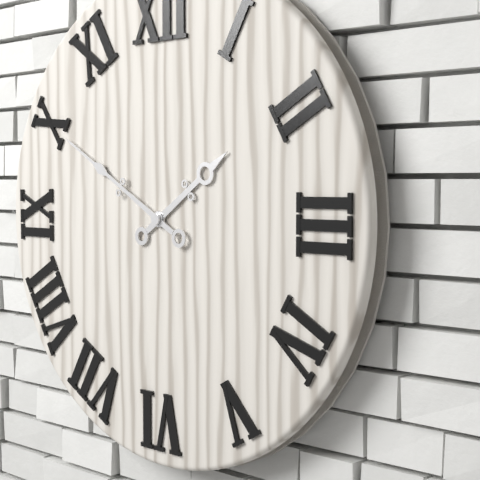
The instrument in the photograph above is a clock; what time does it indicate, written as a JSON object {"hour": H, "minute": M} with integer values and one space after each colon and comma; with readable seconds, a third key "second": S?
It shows {"hour": 1, "minute": 50}
